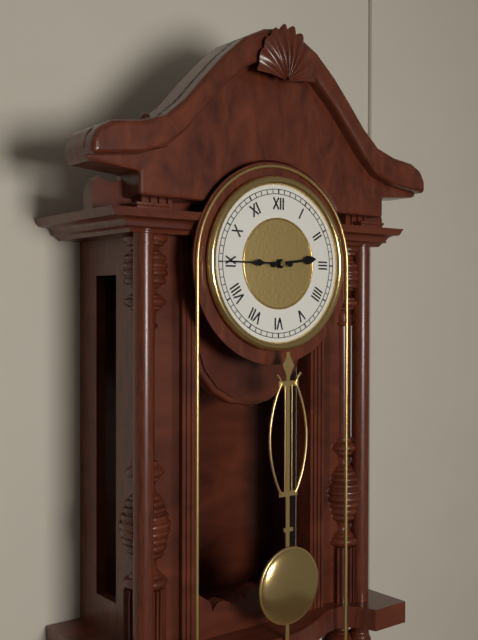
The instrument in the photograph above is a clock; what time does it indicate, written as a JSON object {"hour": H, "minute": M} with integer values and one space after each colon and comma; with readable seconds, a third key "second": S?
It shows {"hour": 2, "minute": 45}
